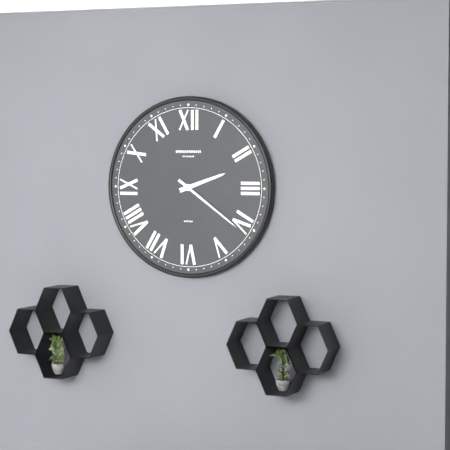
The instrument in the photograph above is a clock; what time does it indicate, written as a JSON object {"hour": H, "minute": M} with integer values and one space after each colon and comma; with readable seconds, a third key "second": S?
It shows {"hour": 2, "minute": 21}
